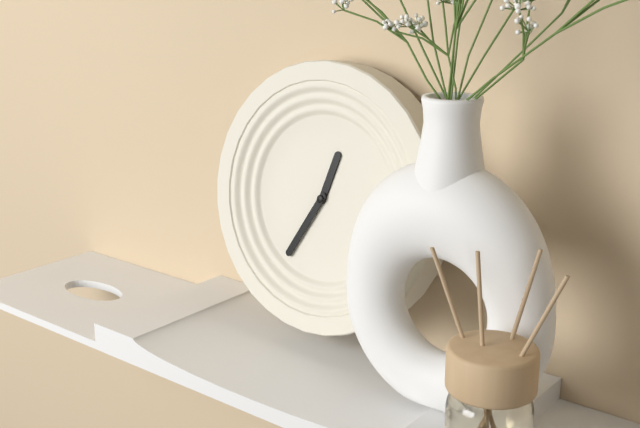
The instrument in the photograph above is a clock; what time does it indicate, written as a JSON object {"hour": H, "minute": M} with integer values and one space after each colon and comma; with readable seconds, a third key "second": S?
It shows {"hour": 12, "minute": 35}
